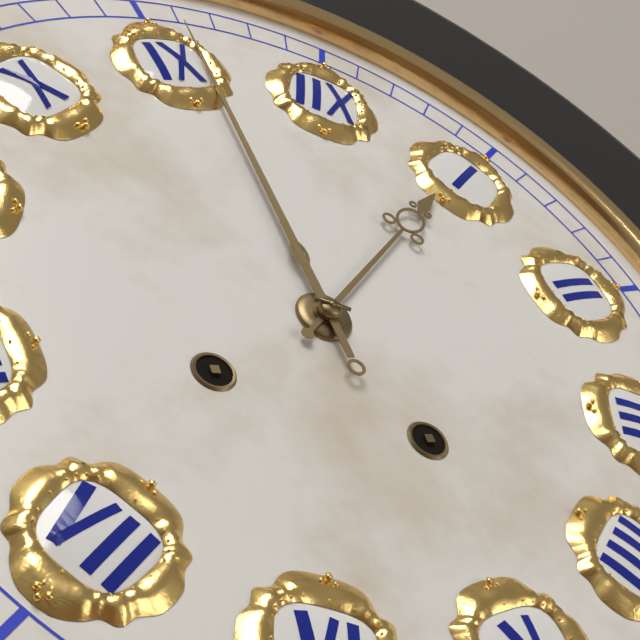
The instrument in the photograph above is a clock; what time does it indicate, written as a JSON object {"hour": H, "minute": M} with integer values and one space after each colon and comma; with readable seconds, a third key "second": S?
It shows {"hour": 12, "minute": 56}
